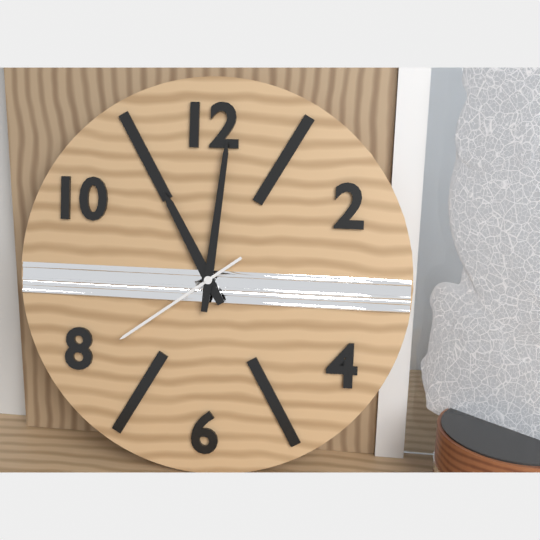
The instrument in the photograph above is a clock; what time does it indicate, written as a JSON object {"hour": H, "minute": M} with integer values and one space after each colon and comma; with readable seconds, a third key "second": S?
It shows {"hour": 11, "minute": 1, "second": 39}
